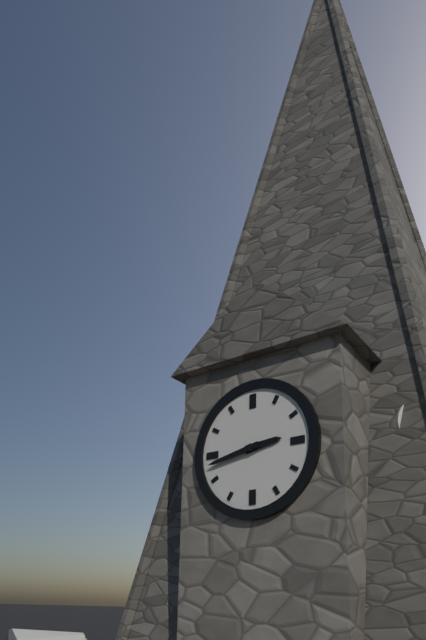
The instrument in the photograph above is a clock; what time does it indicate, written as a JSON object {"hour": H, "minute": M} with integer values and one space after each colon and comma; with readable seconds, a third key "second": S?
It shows {"hour": 2, "minute": 43}
